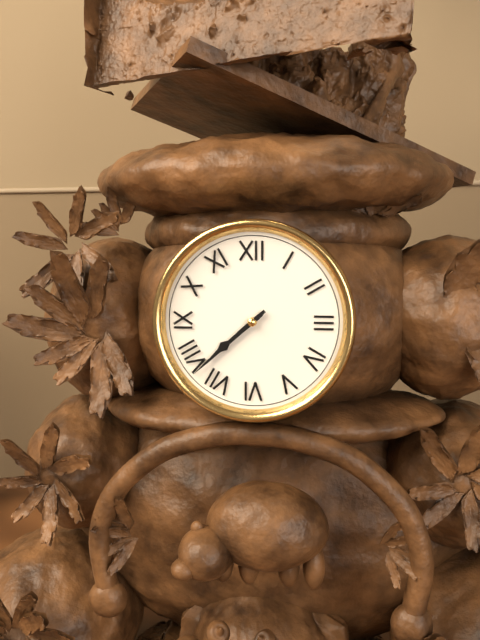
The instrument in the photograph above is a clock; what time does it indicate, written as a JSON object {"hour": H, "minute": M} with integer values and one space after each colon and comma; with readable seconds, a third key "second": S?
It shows {"hour": 7, "minute": 38}
